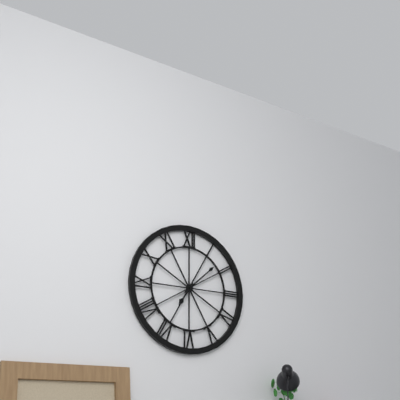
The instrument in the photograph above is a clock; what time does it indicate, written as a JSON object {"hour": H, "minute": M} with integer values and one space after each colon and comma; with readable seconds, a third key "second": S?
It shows {"hour": 7, "minute": 8}
